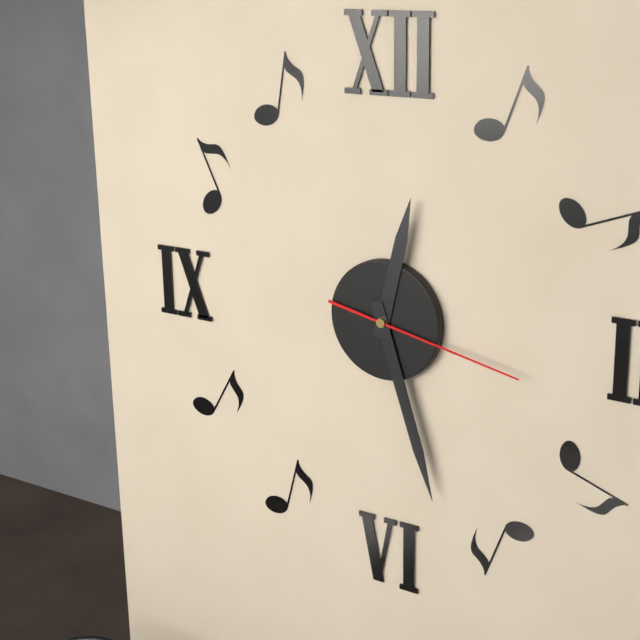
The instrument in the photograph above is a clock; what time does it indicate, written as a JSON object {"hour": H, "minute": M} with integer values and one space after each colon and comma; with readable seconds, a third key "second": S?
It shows {"hour": 12, "minute": 27, "second": 17}
